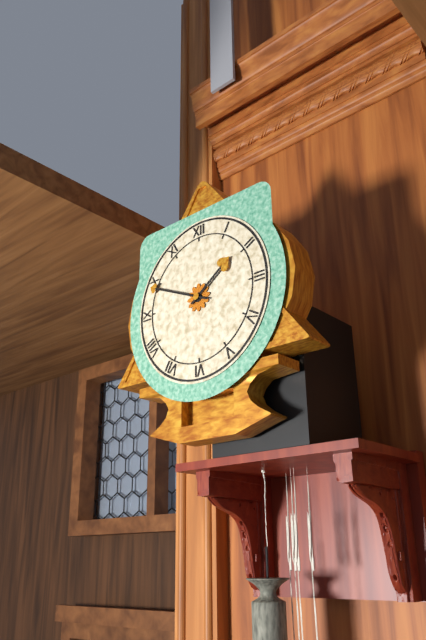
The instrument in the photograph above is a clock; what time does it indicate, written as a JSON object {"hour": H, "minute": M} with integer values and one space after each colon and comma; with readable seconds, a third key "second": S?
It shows {"hour": 1, "minute": 49}
